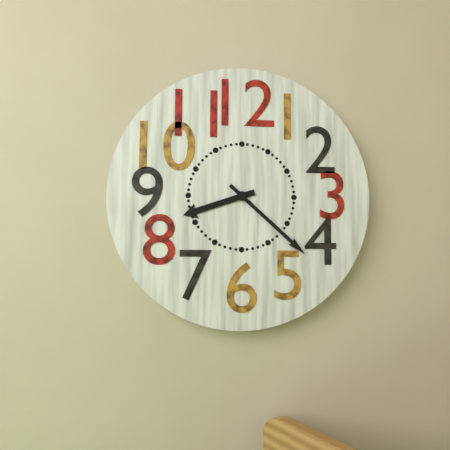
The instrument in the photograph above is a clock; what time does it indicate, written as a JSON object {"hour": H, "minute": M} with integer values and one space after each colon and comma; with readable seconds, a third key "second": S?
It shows {"hour": 8, "minute": 22}
